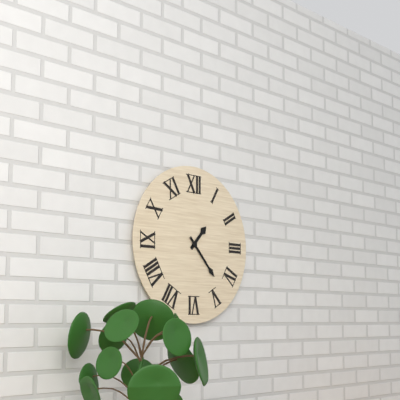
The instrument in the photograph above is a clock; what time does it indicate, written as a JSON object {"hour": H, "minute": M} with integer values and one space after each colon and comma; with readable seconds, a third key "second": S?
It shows {"hour": 1, "minute": 23}
